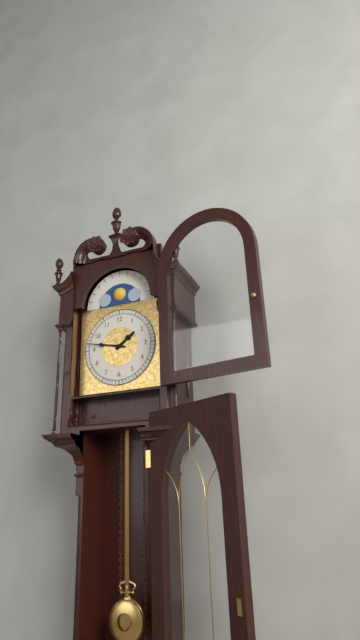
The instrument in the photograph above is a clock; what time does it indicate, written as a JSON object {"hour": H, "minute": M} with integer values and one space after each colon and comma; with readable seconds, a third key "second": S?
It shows {"hour": 1, "minute": 47}
